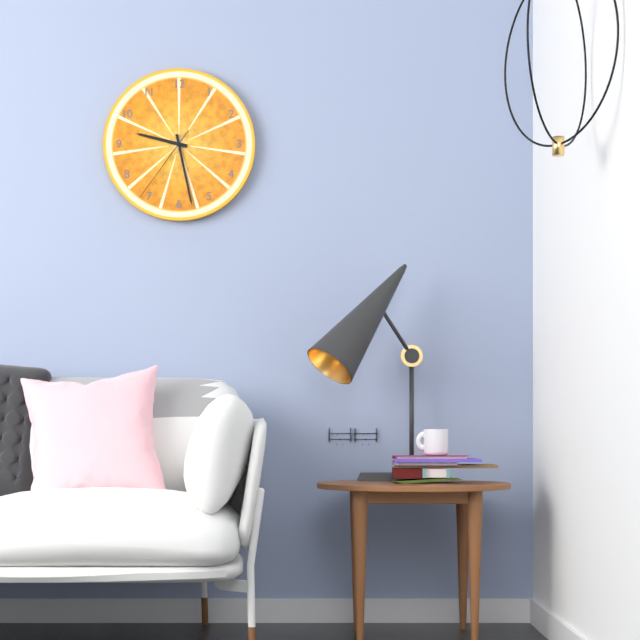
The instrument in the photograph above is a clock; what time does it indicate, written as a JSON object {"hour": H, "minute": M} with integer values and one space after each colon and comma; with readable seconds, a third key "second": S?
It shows {"hour": 9, "minute": 28, "second": 36}
